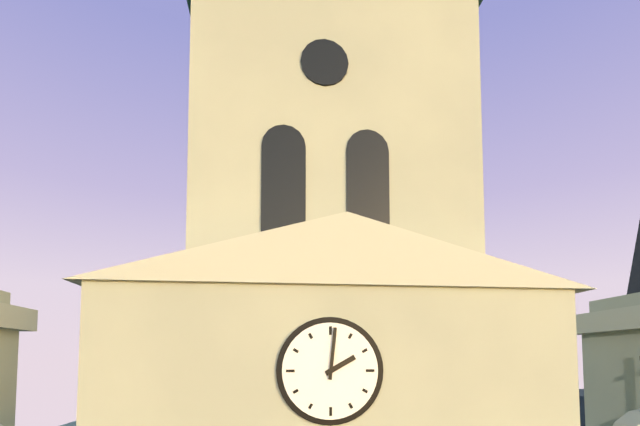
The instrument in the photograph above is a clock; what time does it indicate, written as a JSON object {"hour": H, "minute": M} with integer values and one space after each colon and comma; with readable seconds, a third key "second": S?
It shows {"hour": 2, "minute": 1}
